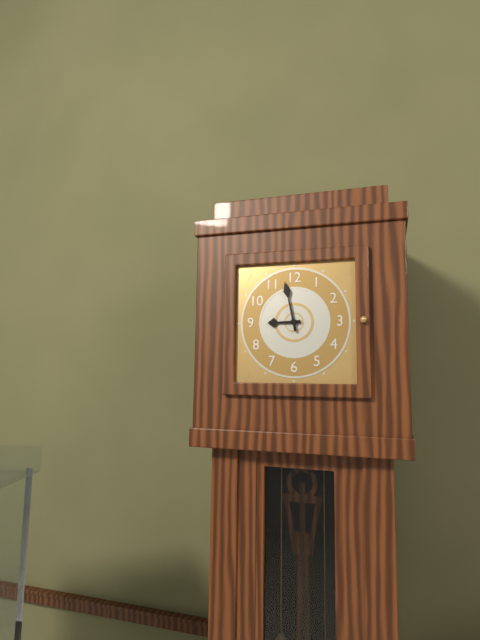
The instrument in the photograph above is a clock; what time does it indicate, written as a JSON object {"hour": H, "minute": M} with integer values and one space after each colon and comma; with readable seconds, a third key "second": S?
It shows {"hour": 8, "minute": 58}
